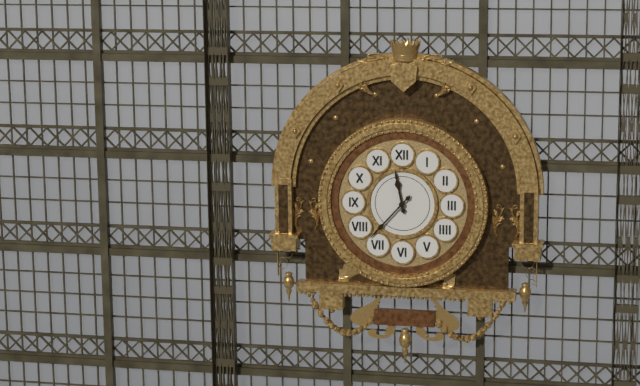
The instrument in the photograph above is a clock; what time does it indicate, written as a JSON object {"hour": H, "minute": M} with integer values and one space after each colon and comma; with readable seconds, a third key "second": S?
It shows {"hour": 11, "minute": 37}
